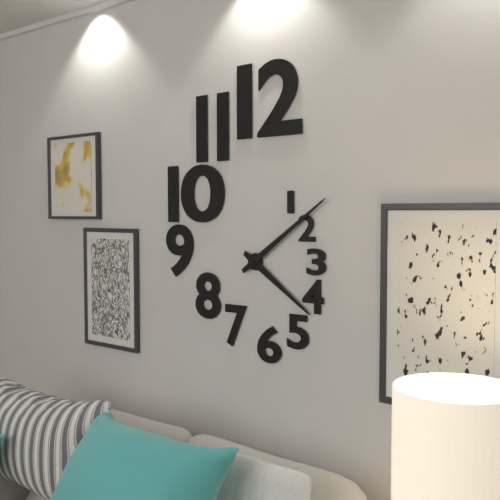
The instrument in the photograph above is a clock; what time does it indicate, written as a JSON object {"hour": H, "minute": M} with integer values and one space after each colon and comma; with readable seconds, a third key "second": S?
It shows {"hour": 4, "minute": 9}
